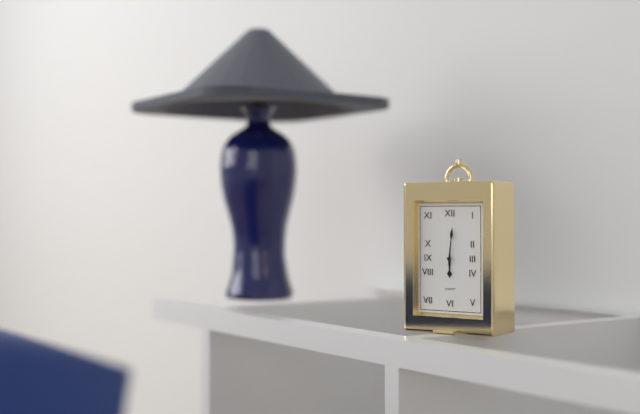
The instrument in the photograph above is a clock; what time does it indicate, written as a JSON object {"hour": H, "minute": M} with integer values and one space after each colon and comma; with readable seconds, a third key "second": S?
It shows {"hour": 6, "minute": 1}
